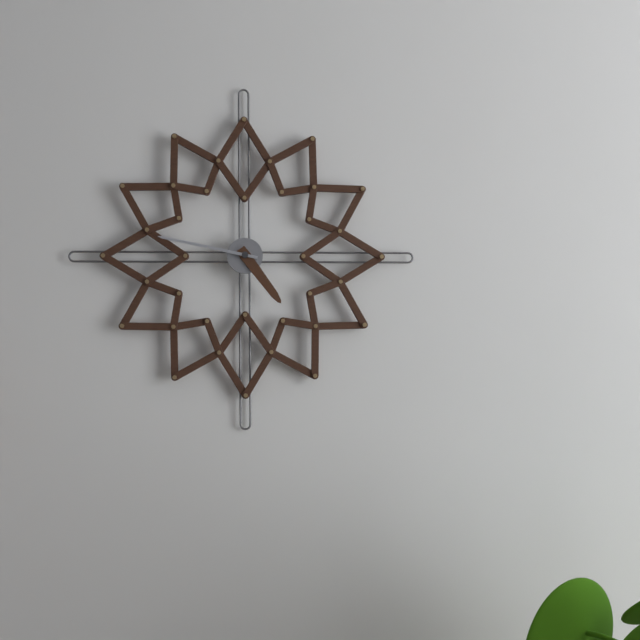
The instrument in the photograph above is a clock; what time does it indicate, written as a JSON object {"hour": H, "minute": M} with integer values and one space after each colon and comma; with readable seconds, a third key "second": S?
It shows {"hour": 4, "minute": 47}
